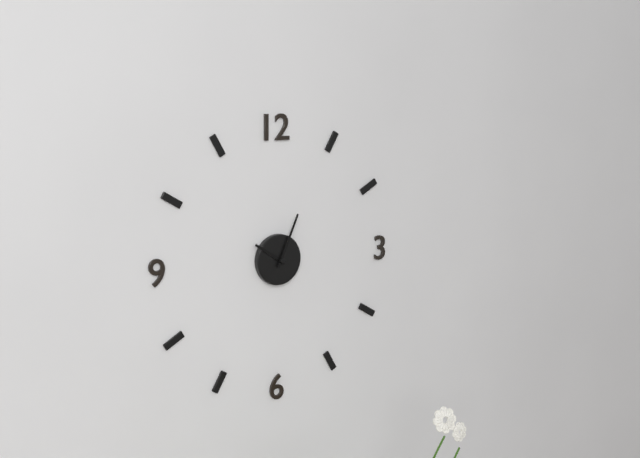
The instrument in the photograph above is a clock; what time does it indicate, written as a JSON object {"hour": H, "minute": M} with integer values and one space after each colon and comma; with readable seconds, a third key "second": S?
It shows {"hour": 10, "minute": 4}
